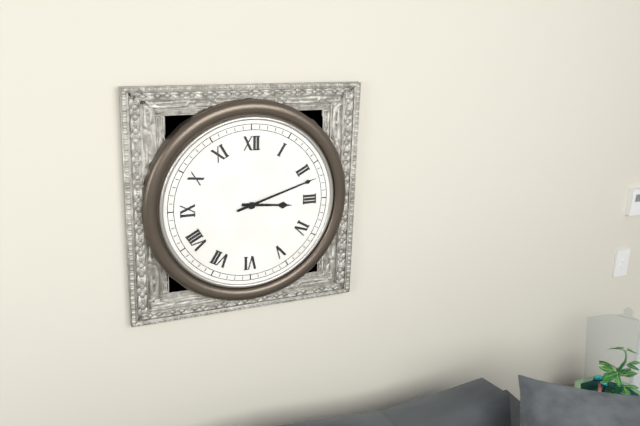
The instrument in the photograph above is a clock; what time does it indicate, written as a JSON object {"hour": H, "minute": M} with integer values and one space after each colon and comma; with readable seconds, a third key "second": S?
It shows {"hour": 3, "minute": 12}
